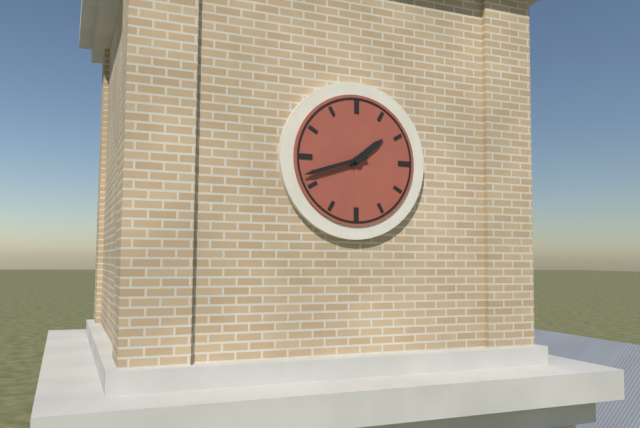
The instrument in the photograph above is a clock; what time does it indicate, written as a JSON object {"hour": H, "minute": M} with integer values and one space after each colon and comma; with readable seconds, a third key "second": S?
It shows {"hour": 1, "minute": 42}
